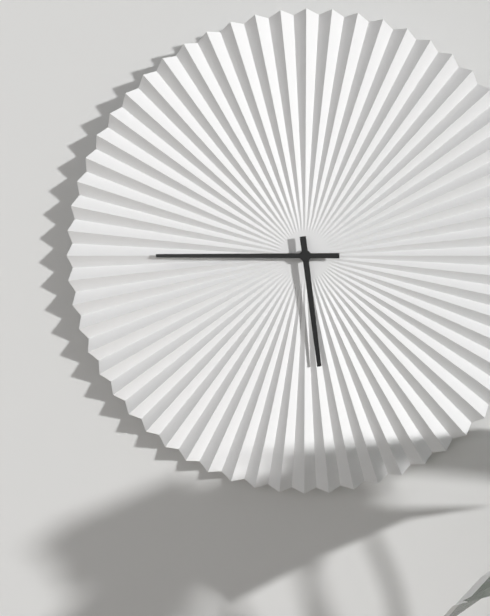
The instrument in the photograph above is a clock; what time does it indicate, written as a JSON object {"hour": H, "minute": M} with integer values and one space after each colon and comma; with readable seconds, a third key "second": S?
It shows {"hour": 5, "minute": 45}
